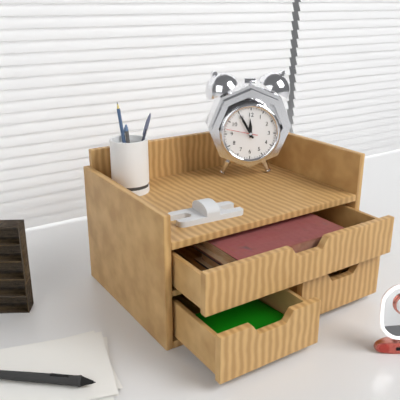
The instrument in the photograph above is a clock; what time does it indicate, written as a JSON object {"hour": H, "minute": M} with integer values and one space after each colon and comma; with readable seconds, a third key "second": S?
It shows {"hour": 11, "minute": 55}
